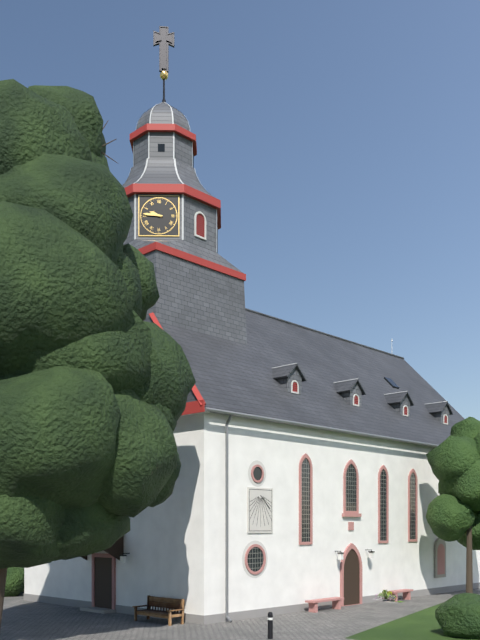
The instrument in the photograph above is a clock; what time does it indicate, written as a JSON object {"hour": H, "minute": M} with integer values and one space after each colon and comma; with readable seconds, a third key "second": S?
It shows {"hour": 9, "minute": 46}
